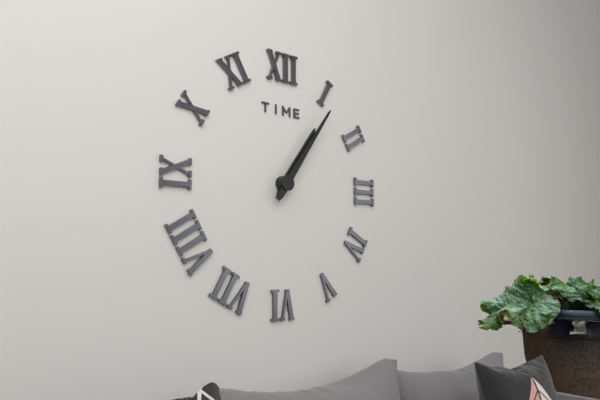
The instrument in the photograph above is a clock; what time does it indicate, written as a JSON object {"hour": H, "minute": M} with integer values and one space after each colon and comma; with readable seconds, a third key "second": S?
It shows {"hour": 1, "minute": 6}
